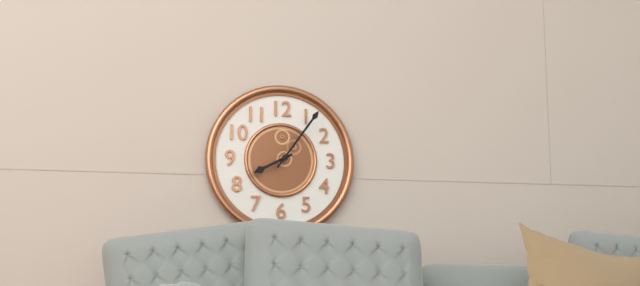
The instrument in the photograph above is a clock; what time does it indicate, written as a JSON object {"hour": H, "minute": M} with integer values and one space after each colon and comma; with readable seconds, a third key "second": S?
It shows {"hour": 8, "minute": 6}
